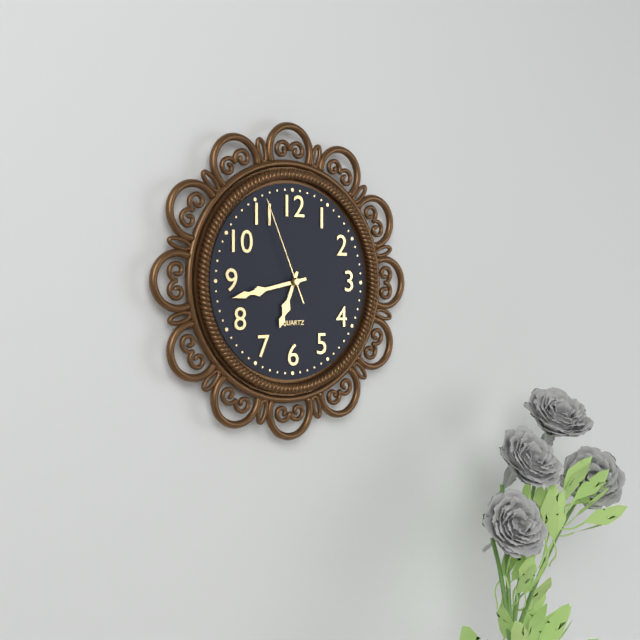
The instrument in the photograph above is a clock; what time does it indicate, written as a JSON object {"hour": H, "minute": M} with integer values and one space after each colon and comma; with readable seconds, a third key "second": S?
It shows {"hour": 6, "minute": 43, "second": 56}
